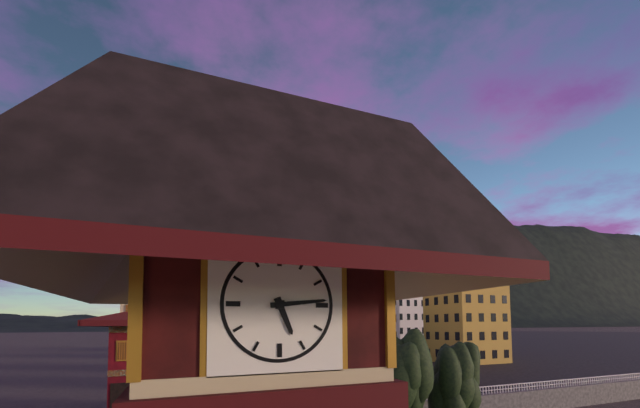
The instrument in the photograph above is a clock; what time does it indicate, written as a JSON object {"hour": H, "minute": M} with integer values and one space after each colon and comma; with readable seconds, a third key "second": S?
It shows {"hour": 5, "minute": 14}
